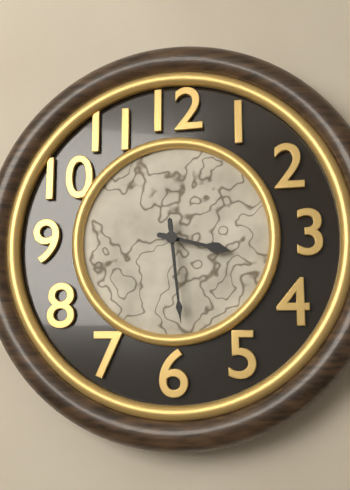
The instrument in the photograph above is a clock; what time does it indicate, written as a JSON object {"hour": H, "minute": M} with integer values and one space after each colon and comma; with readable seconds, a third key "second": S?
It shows {"hour": 3, "minute": 29}
